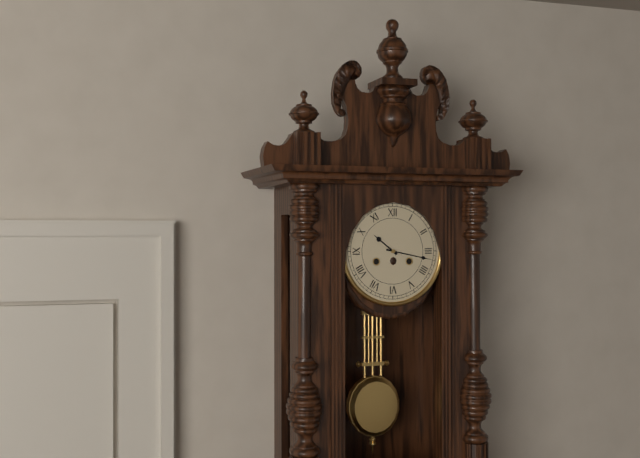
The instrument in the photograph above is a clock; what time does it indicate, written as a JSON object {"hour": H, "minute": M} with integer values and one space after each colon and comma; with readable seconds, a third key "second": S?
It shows {"hour": 10, "minute": 17}
